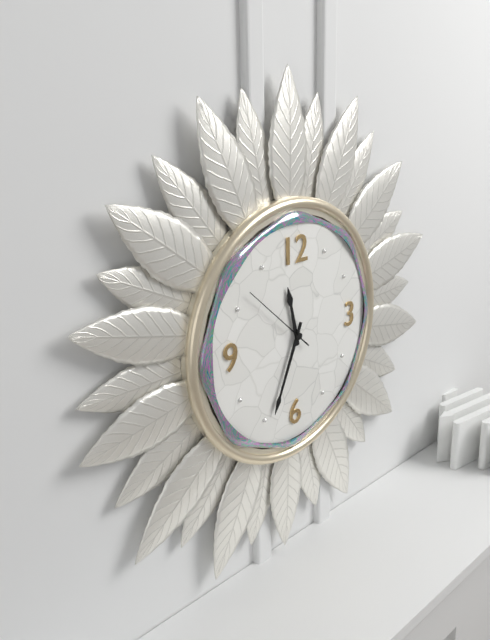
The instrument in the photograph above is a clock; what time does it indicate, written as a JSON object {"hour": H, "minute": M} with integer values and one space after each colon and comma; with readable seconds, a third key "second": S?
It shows {"hour": 11, "minute": 34, "second": 52}
